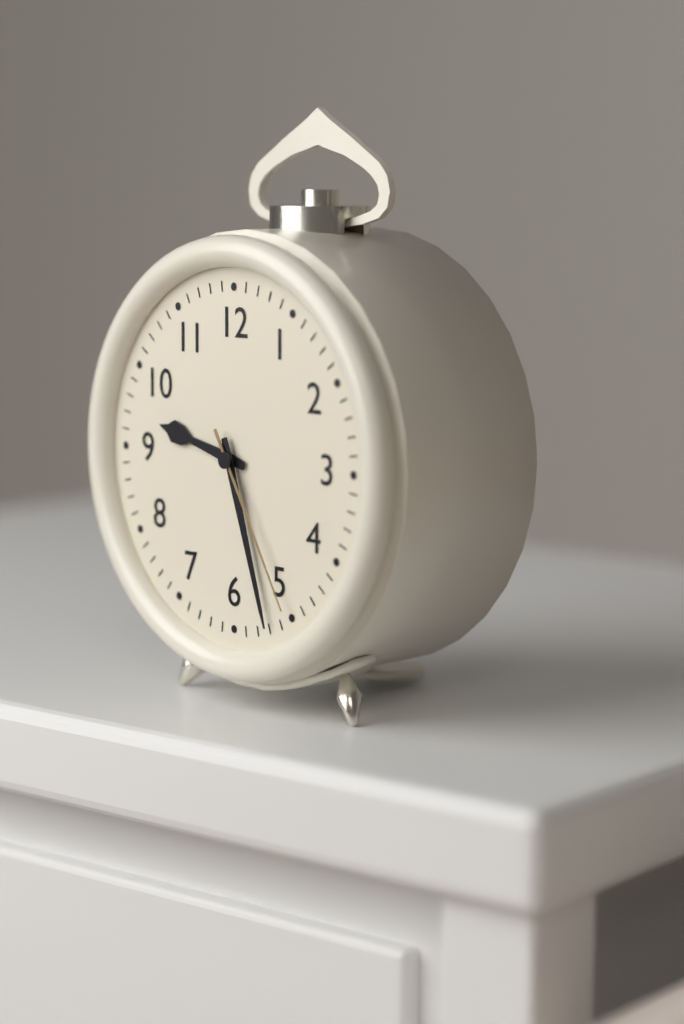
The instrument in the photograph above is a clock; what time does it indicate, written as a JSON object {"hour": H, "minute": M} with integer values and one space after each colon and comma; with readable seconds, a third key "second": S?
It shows {"hour": 9, "minute": 27, "second": 25}
